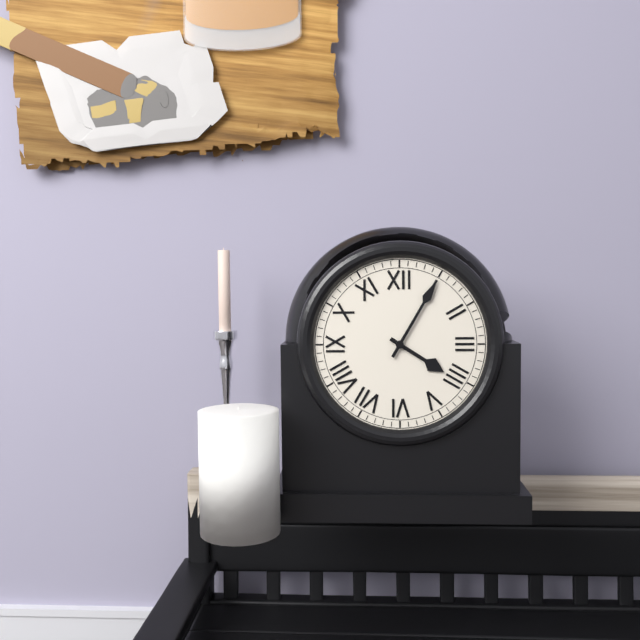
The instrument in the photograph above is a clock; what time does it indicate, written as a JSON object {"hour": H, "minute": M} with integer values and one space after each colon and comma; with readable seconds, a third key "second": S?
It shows {"hour": 4, "minute": 5}
